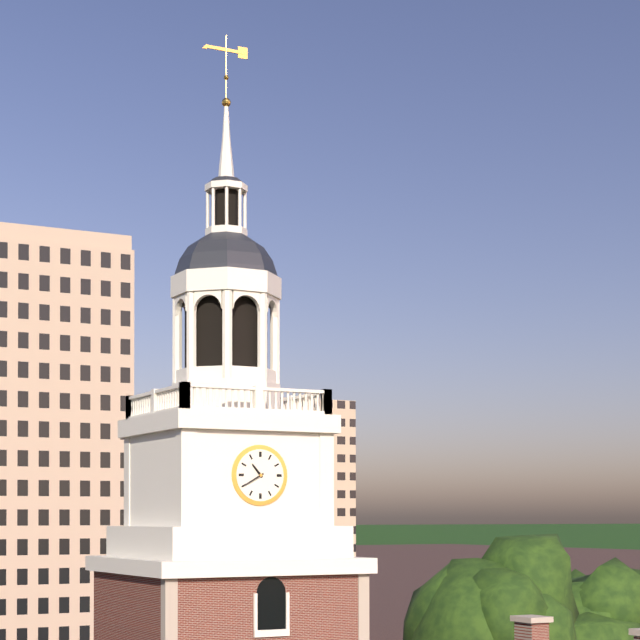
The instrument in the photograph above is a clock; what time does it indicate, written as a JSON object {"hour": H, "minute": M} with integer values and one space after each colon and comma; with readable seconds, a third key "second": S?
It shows {"hour": 10, "minute": 40}
